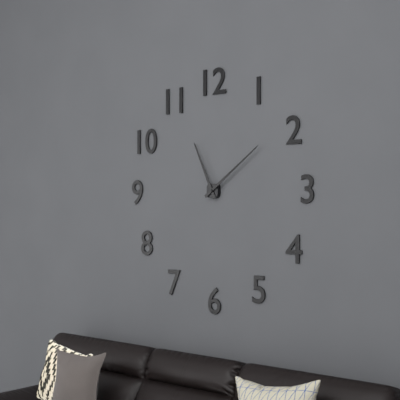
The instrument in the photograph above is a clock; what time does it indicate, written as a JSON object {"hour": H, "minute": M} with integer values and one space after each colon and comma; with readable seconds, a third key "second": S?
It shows {"hour": 11, "minute": 9}
